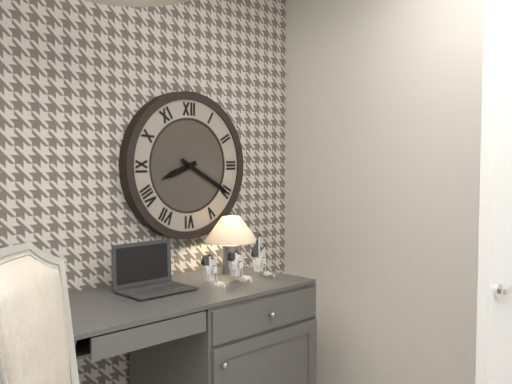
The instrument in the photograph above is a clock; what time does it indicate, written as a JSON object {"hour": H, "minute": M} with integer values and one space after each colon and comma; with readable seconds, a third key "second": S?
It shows {"hour": 8, "minute": 20}
